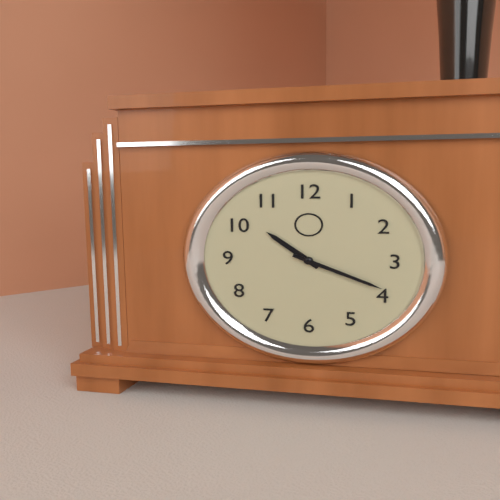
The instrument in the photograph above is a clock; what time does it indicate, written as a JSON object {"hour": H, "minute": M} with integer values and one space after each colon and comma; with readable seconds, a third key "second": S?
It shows {"hour": 10, "minute": 19}
